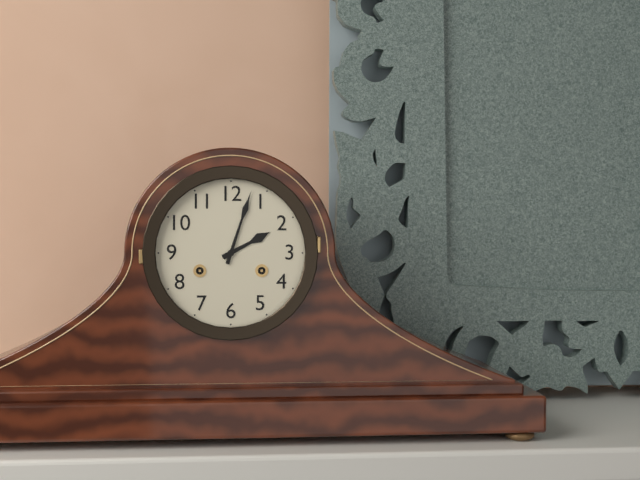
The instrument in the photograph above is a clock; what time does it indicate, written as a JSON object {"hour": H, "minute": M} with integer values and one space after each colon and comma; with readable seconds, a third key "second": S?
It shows {"hour": 2, "minute": 3}
